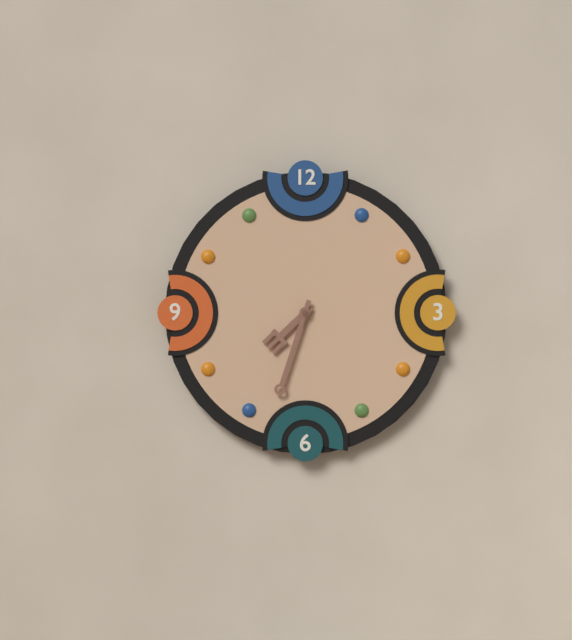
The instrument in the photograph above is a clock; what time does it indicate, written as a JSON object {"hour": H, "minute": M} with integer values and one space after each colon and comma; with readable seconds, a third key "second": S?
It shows {"hour": 7, "minute": 33}
